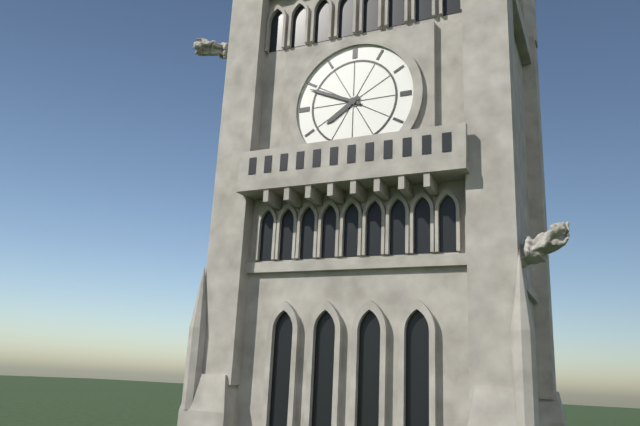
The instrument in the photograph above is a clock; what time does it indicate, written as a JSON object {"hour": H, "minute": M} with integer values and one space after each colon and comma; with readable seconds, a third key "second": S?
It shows {"hour": 7, "minute": 49}
